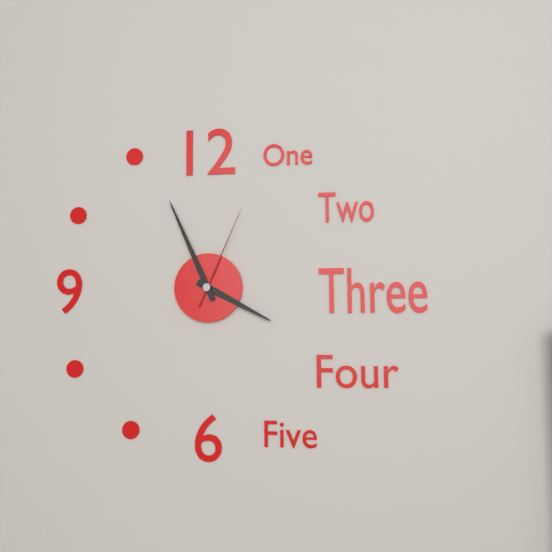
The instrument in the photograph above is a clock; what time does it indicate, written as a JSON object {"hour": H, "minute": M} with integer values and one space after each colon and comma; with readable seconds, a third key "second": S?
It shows {"hour": 3, "minute": 56, "second": 4}
